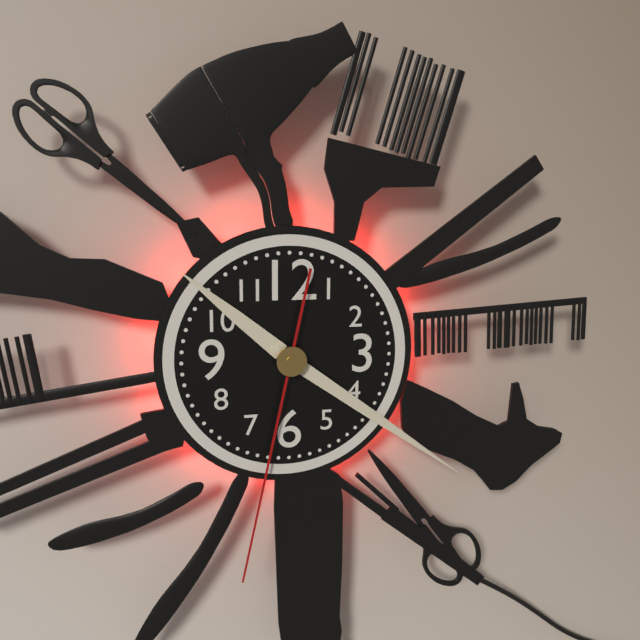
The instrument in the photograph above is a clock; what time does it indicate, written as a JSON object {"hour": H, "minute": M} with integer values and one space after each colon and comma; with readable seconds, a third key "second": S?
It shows {"hour": 10, "minute": 21, "second": 32}
